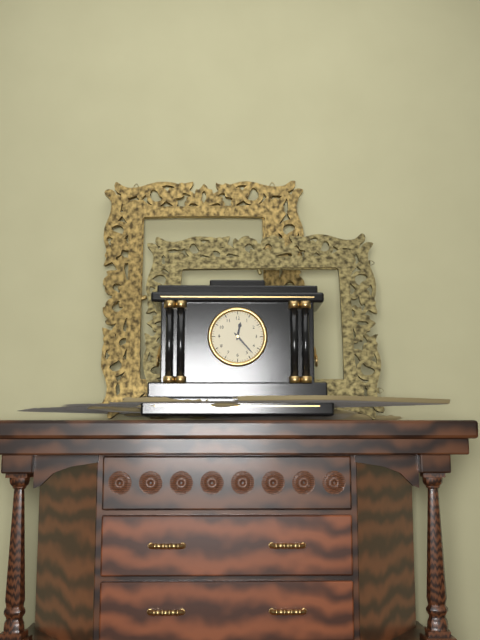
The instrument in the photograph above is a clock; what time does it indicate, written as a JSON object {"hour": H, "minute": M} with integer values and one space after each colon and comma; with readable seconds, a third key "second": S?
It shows {"hour": 12, "minute": 23}
